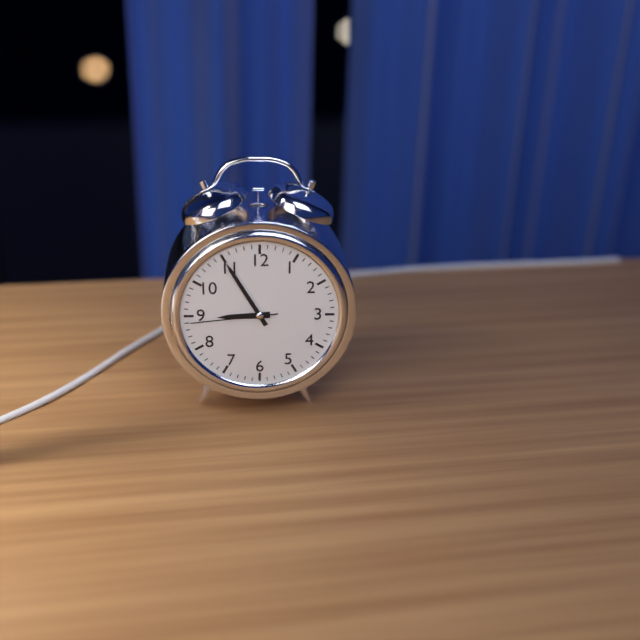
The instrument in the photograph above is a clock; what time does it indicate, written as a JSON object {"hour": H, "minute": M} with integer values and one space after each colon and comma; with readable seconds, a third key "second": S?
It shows {"hour": 8, "minute": 55, "second": 44}
